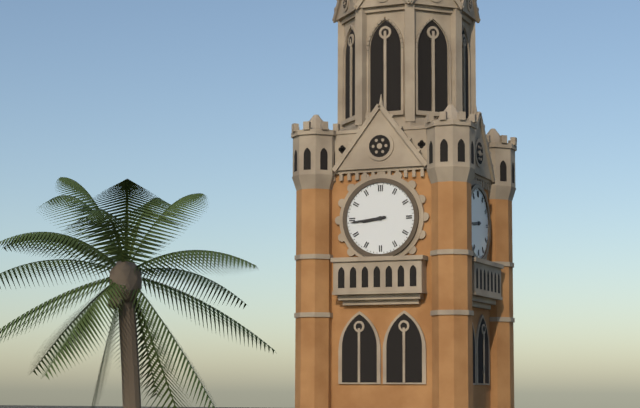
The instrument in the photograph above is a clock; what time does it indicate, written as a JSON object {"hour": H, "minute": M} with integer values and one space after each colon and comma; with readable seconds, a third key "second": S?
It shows {"hour": 8, "minute": 44}
